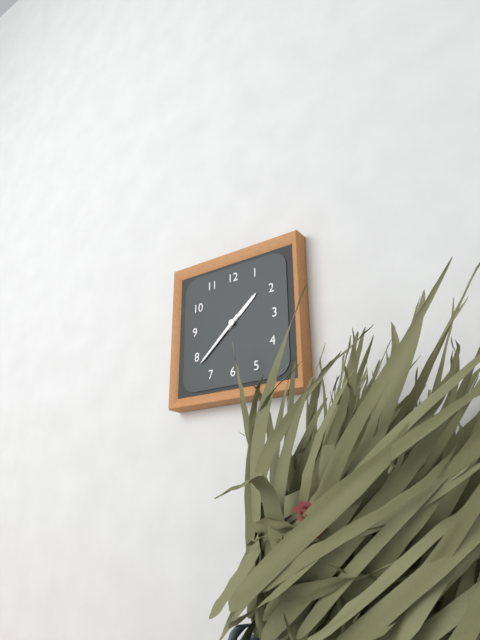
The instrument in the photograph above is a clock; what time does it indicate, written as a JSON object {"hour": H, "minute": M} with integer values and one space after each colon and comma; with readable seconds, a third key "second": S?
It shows {"hour": 1, "minute": 38}
